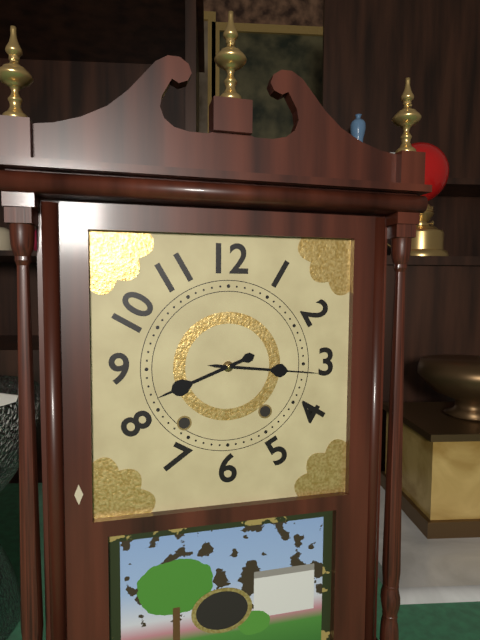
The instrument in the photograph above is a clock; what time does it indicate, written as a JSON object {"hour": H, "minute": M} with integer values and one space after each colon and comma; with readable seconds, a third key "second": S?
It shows {"hour": 8, "minute": 16}
